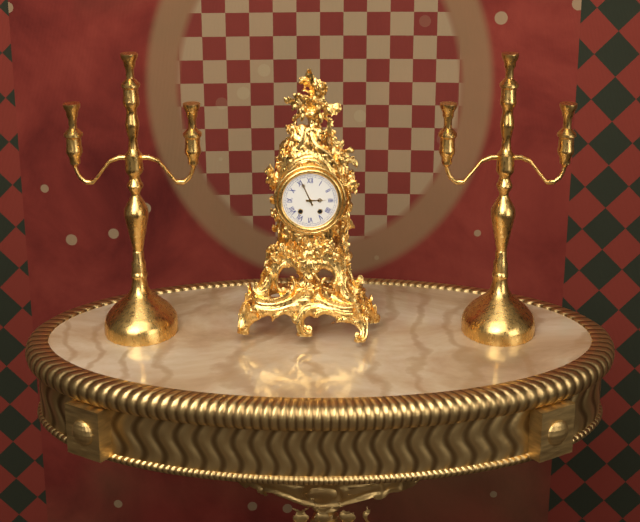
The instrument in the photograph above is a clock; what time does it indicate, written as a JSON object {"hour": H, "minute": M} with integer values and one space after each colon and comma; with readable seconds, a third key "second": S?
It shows {"hour": 2, "minute": 56}
